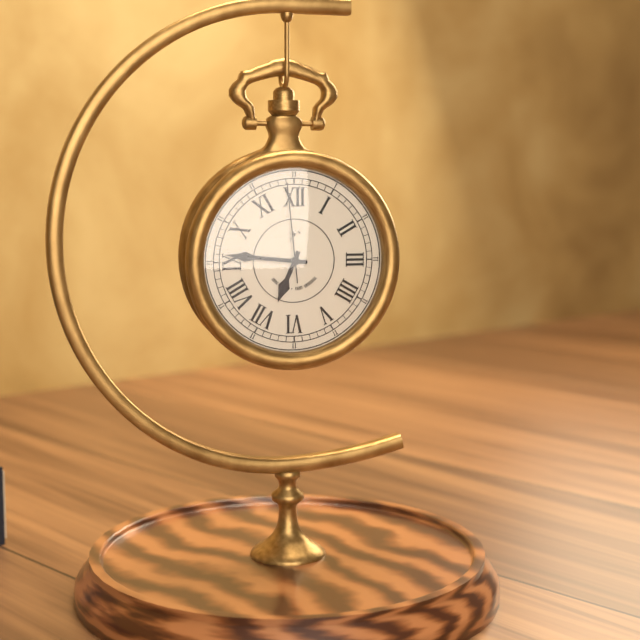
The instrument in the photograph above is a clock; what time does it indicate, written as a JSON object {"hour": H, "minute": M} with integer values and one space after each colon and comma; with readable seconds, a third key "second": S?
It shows {"hour": 6, "minute": 46, "second": 59}
